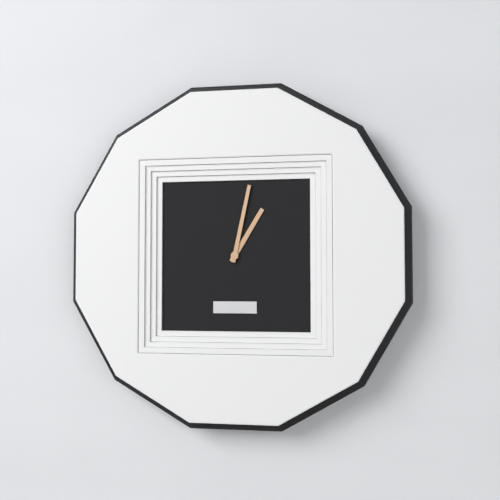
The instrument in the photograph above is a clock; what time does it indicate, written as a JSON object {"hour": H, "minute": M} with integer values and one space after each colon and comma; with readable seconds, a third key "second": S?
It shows {"hour": 1, "minute": 2}
